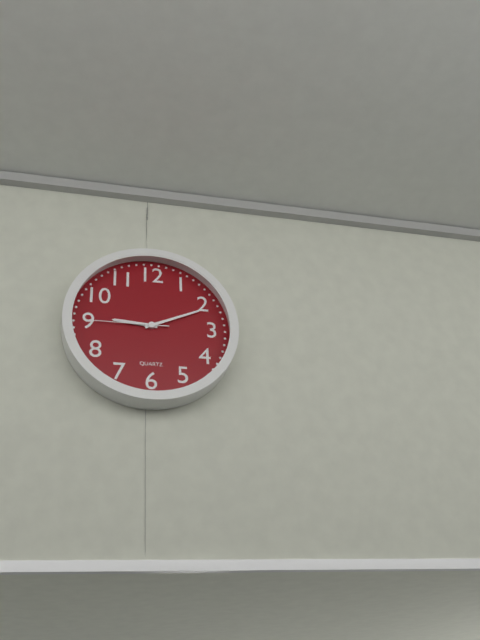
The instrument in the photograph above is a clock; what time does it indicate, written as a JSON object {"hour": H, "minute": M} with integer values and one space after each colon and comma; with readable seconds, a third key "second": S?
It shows {"hour": 9, "minute": 11, "second": 45}
